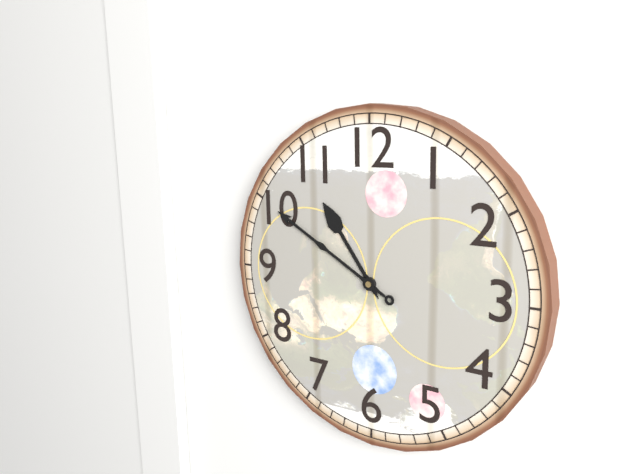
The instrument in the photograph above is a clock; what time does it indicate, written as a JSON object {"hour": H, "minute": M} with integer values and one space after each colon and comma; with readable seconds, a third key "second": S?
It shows {"hour": 10, "minute": 50}
